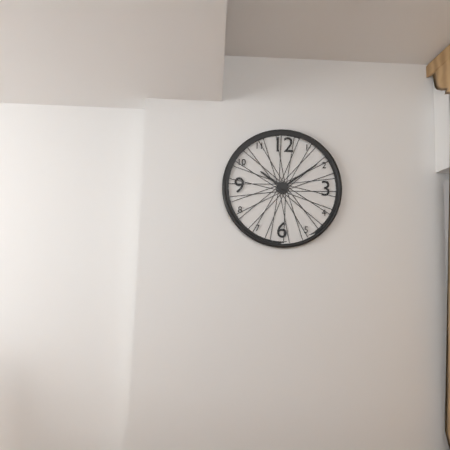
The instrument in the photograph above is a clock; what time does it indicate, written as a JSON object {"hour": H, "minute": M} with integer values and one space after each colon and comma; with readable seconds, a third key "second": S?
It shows {"hour": 10, "minute": 9}
